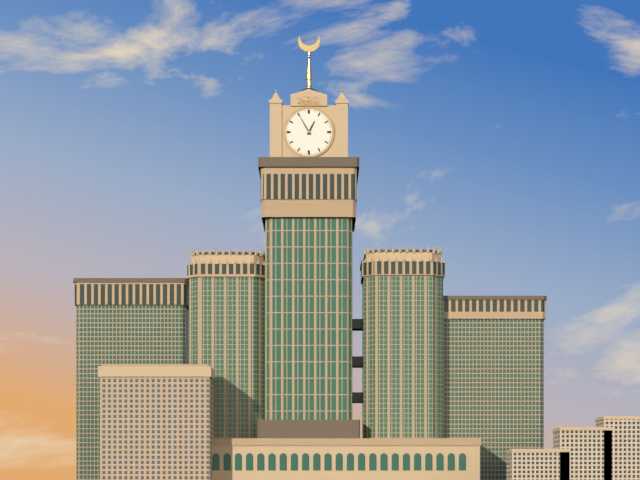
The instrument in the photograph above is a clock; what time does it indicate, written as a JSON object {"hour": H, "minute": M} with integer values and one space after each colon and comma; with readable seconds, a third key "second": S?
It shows {"hour": 12, "minute": 55}
